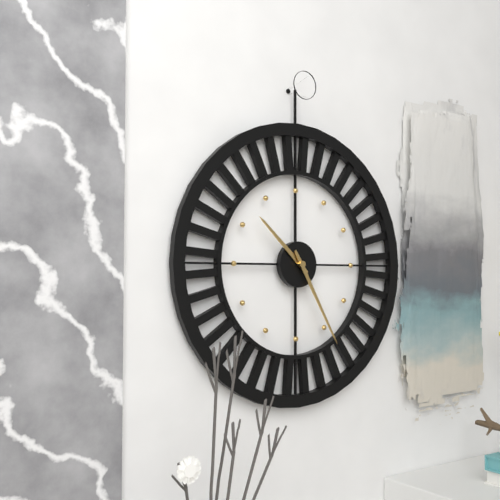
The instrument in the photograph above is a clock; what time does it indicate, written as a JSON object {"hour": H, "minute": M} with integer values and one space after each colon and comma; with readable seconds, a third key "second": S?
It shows {"hour": 10, "minute": 25}
